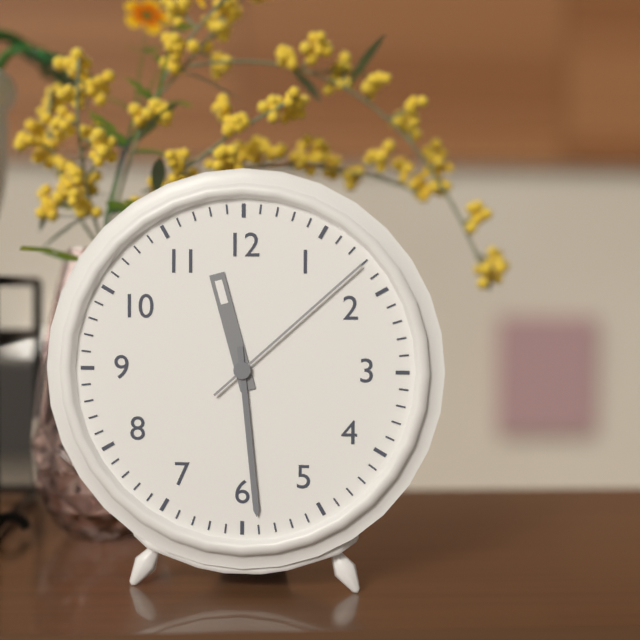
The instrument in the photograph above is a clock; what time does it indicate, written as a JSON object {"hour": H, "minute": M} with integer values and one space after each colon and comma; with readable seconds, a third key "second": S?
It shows {"hour": 11, "minute": 29, "second": 8}
